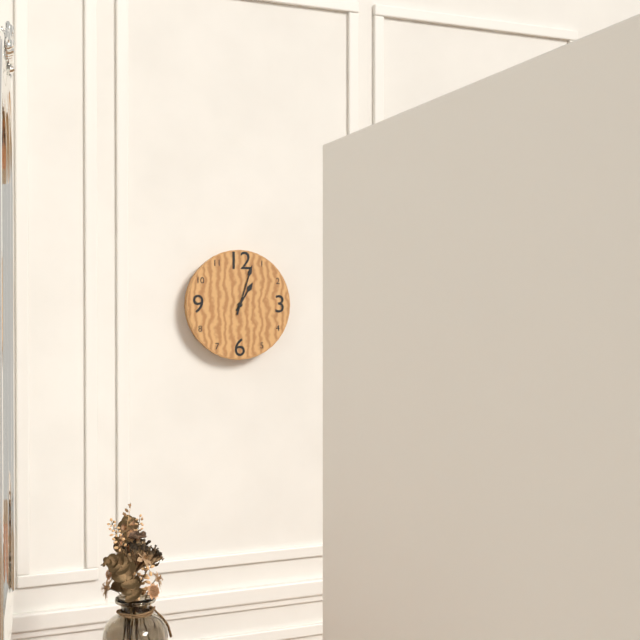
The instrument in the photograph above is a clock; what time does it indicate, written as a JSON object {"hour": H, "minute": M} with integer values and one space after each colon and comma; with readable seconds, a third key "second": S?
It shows {"hour": 1, "minute": 3}
